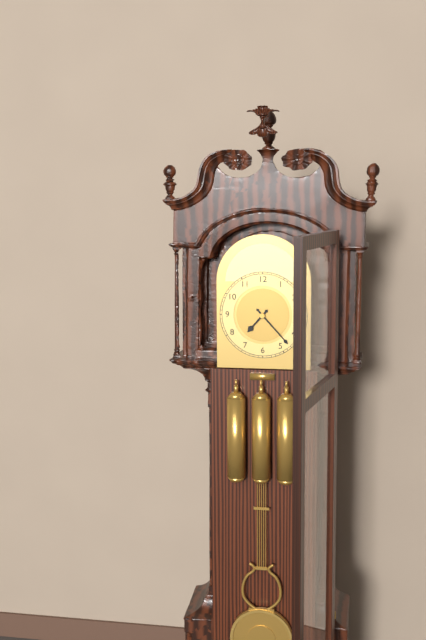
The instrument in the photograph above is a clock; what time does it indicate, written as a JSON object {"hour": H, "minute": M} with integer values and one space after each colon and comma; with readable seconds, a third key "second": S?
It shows {"hour": 7, "minute": 23}
